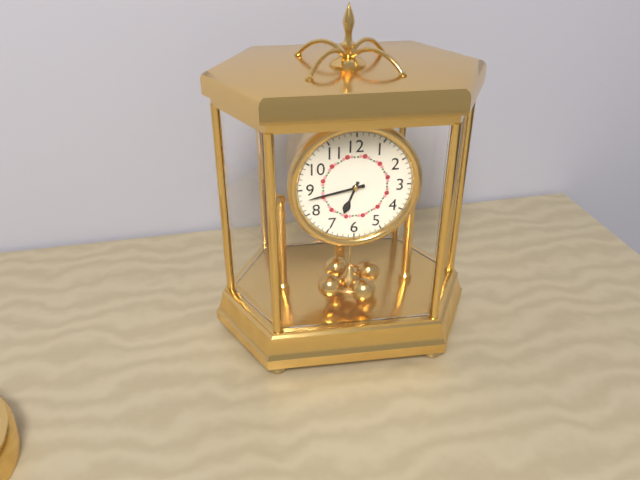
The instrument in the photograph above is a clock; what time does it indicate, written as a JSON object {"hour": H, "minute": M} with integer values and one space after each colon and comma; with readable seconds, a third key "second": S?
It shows {"hour": 6, "minute": 43}
